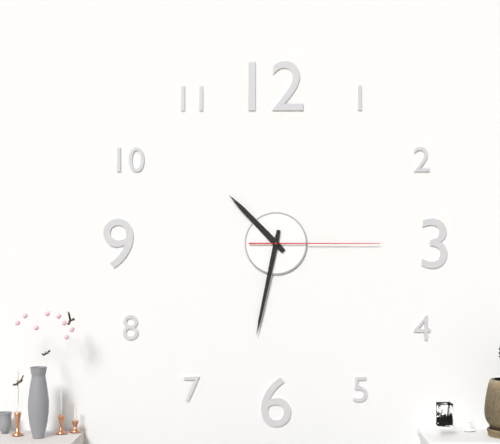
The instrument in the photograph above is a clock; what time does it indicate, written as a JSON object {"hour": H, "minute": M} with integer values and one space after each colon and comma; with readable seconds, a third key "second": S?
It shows {"hour": 10, "minute": 32, "second": 15}
